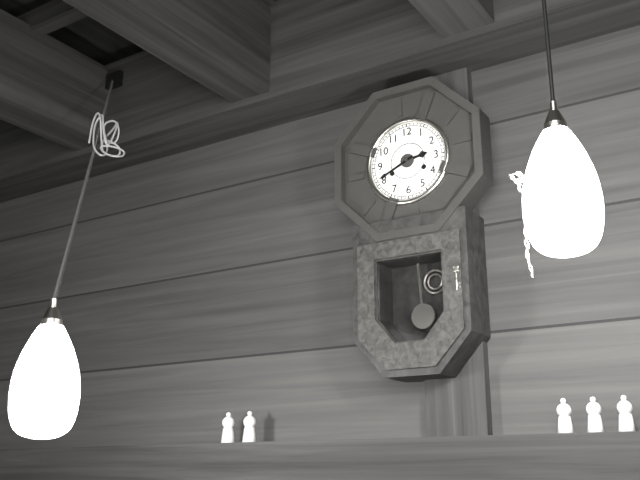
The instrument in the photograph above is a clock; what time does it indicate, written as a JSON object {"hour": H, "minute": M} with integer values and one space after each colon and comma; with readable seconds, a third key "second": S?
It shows {"hour": 2, "minute": 41}
